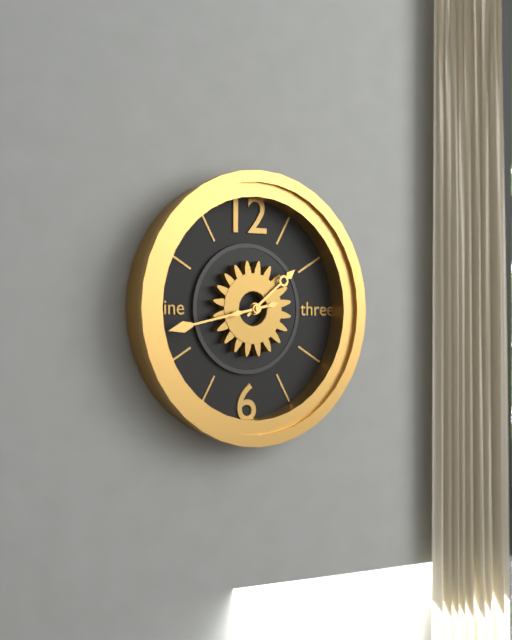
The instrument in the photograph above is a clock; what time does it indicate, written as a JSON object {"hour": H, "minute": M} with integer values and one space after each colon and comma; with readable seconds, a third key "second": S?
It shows {"hour": 1, "minute": 43}
